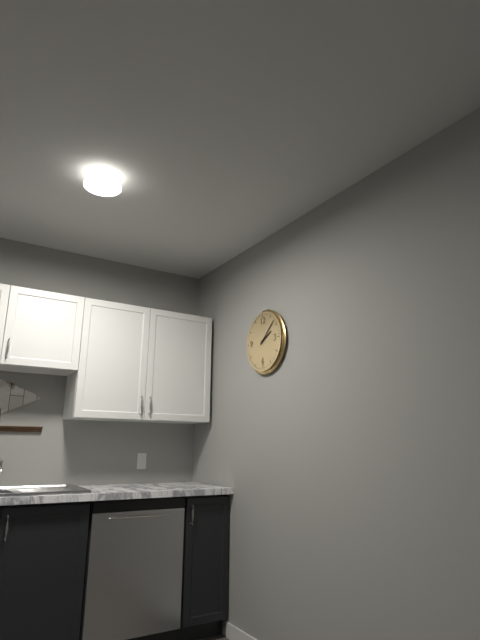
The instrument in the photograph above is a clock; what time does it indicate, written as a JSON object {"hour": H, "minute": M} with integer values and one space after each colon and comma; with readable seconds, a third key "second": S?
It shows {"hour": 2, "minute": 8}
